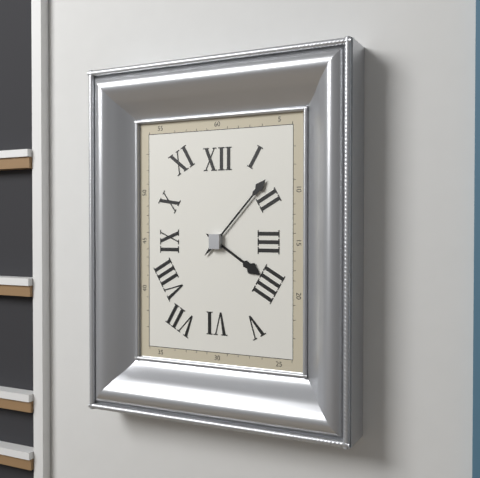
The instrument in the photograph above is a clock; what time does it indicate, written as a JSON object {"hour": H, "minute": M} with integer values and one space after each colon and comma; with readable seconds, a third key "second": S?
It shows {"hour": 4, "minute": 7}
